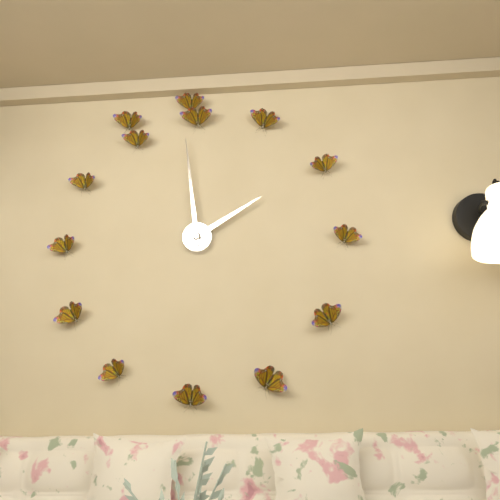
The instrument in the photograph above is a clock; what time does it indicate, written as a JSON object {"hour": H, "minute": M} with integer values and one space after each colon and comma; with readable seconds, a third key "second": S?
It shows {"hour": 1, "minute": 59}
